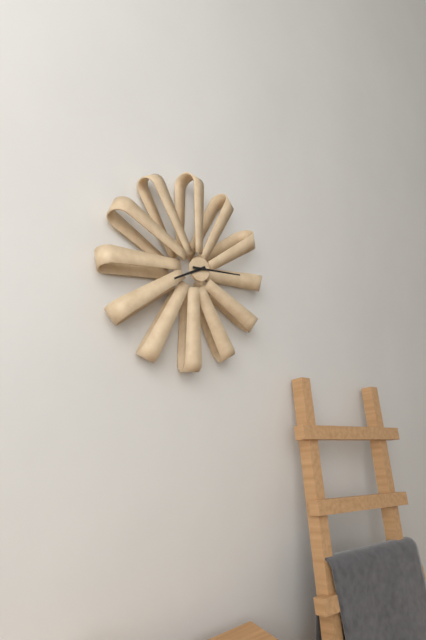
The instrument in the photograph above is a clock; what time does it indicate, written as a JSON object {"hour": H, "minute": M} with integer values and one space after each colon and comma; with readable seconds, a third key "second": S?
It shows {"hour": 8, "minute": 15}
